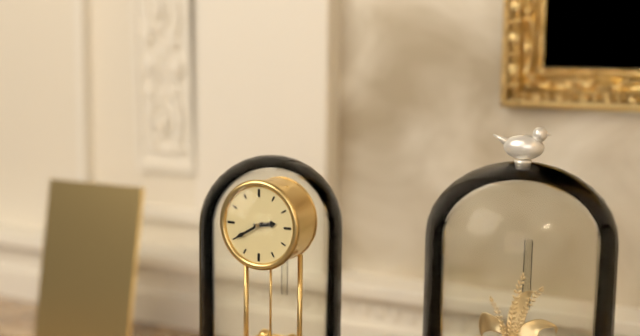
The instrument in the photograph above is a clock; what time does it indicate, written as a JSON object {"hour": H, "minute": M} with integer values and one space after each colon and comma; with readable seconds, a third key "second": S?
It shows {"hour": 2, "minute": 40}
